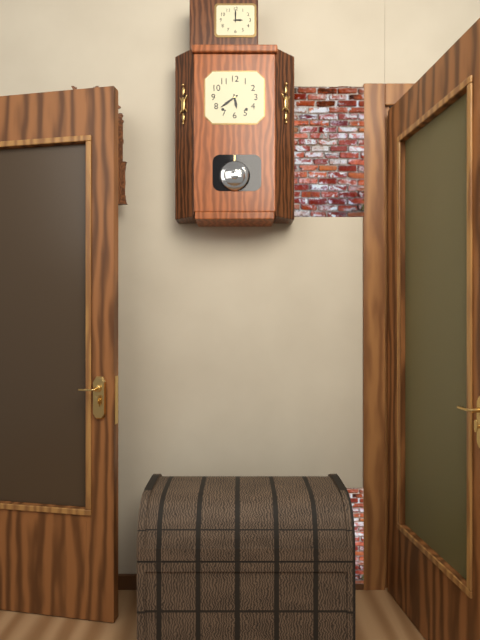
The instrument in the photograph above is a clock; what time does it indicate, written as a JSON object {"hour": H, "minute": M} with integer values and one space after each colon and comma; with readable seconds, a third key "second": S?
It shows {"hour": 5, "minute": 39}
